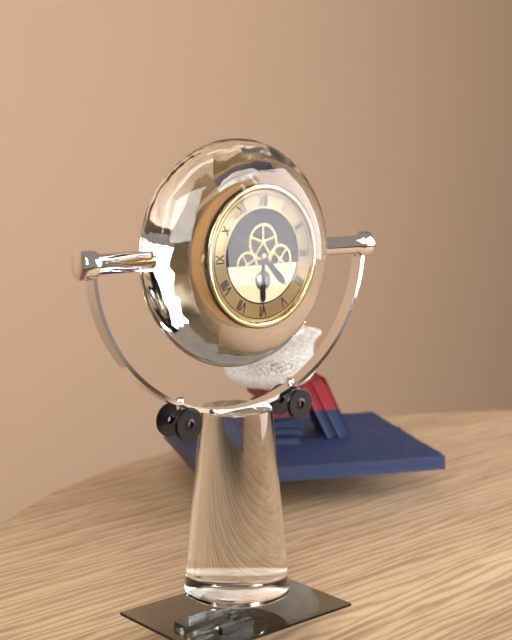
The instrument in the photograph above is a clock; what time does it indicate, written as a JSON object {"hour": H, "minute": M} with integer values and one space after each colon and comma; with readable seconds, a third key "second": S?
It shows {"hour": 4, "minute": 30}
